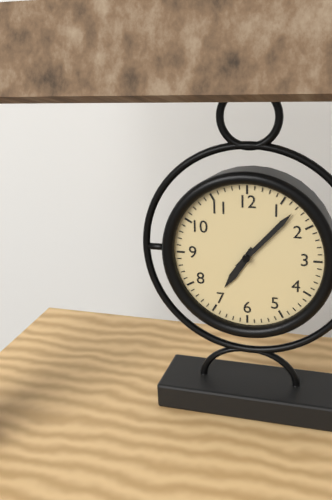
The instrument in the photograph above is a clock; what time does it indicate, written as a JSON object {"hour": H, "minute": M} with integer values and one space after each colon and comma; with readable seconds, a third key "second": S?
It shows {"hour": 7, "minute": 7}
